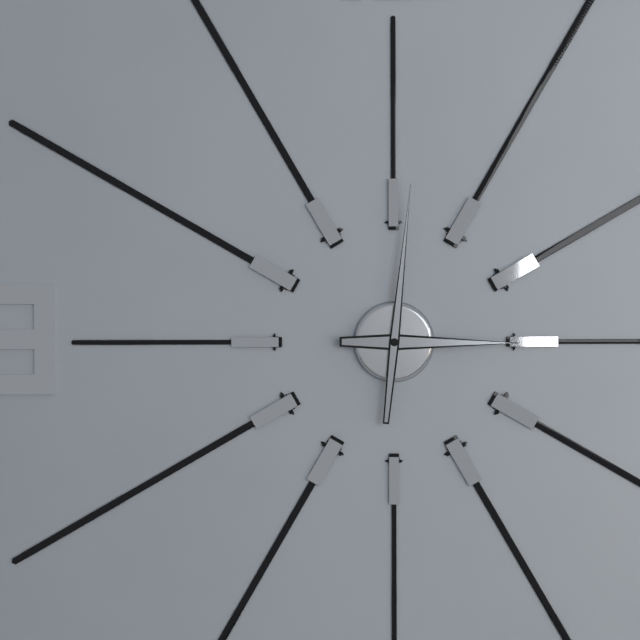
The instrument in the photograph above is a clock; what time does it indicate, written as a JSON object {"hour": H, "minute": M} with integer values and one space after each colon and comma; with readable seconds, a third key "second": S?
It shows {"hour": 3, "minute": 1}
